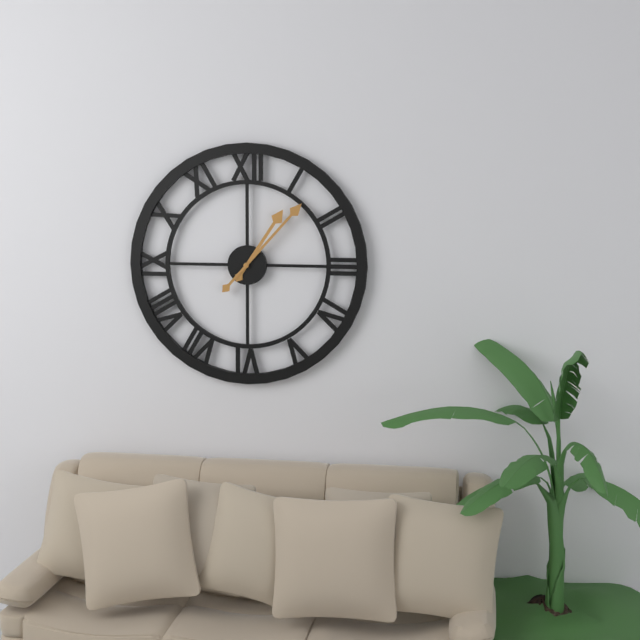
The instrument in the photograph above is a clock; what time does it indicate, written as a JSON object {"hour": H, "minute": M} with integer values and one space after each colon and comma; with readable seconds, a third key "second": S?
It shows {"hour": 1, "minute": 7}
